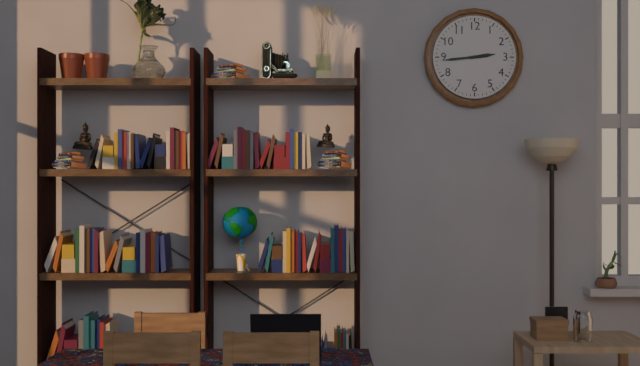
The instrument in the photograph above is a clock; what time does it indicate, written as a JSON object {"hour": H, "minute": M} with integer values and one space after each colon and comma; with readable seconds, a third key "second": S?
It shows {"hour": 2, "minute": 44}
